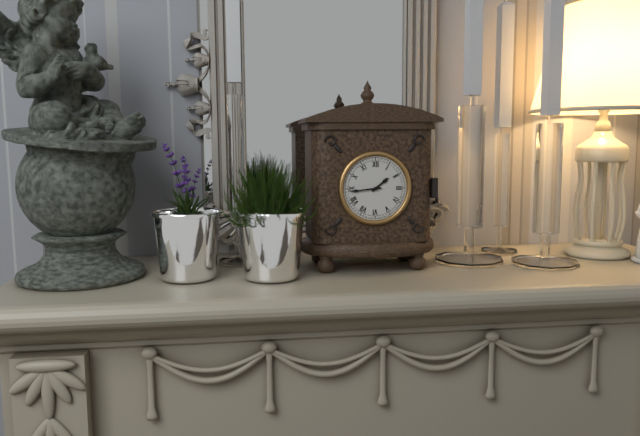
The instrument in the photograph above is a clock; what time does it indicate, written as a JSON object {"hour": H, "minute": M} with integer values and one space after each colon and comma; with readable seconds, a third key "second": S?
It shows {"hour": 1, "minute": 44}
